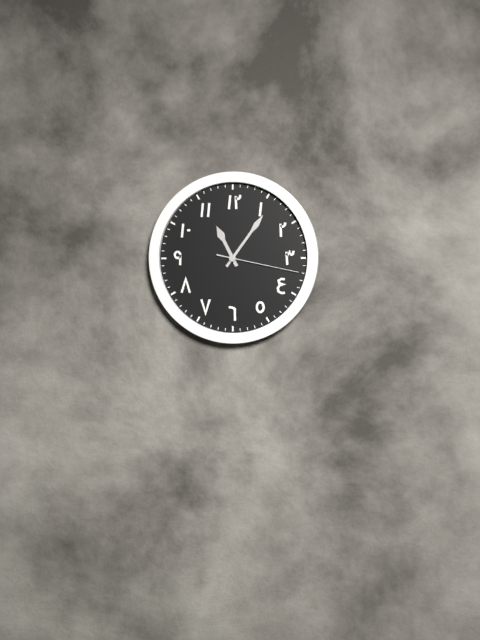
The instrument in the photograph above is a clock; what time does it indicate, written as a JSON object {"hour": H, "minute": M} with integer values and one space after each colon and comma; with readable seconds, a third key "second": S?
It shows {"hour": 11, "minute": 6, "second": 17}
